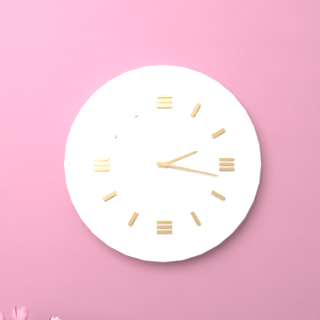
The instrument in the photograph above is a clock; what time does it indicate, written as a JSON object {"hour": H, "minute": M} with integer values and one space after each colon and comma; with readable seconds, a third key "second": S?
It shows {"hour": 2, "minute": 17}
